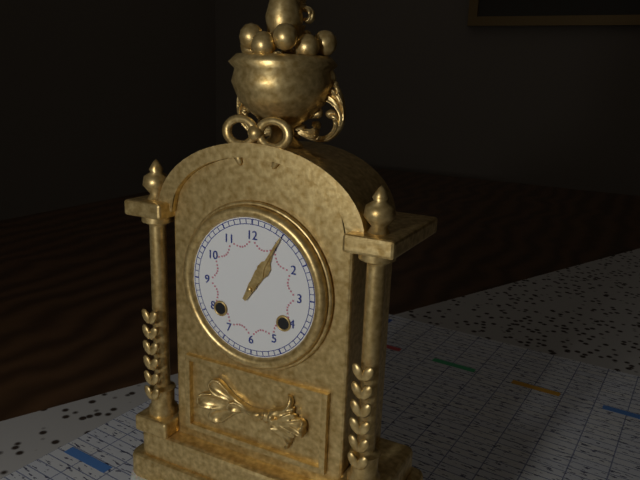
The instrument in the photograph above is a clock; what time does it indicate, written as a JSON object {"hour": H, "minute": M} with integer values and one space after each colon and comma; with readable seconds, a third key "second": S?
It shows {"hour": 1, "minute": 5}
